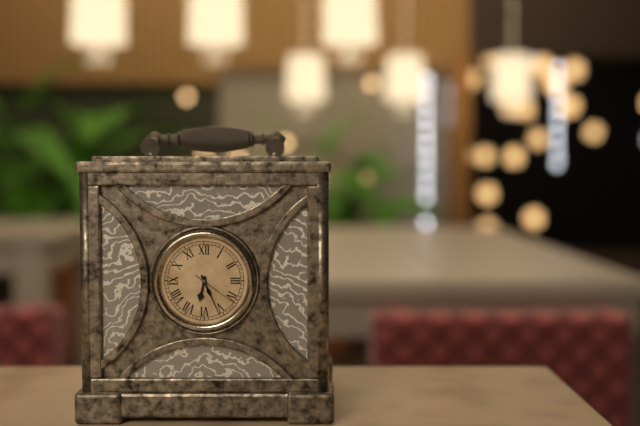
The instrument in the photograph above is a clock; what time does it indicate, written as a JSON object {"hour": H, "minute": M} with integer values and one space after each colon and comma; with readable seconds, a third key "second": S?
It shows {"hour": 6, "minute": 26}
